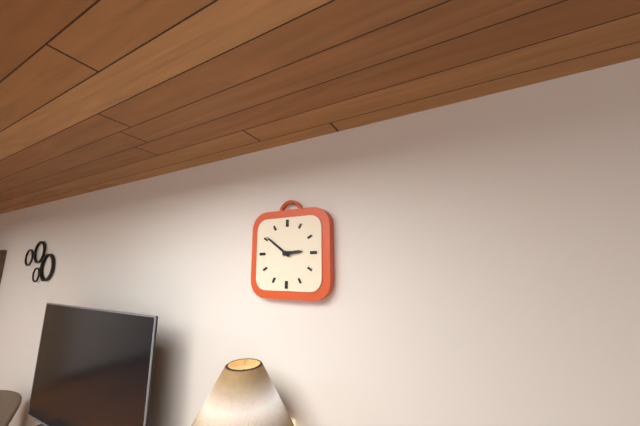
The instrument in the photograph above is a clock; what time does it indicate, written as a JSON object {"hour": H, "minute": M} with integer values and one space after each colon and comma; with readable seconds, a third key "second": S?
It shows {"hour": 2, "minute": 51}
